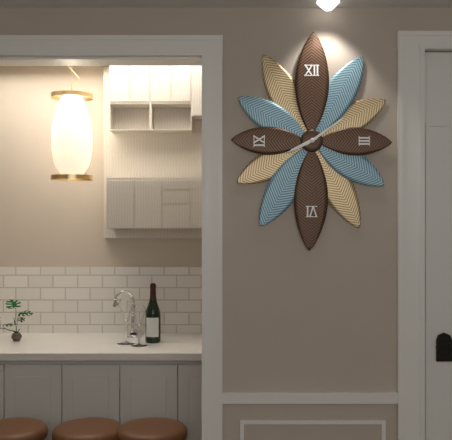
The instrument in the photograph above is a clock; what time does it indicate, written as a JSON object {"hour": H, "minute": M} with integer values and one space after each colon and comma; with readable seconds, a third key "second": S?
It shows {"hour": 8, "minute": 9}
